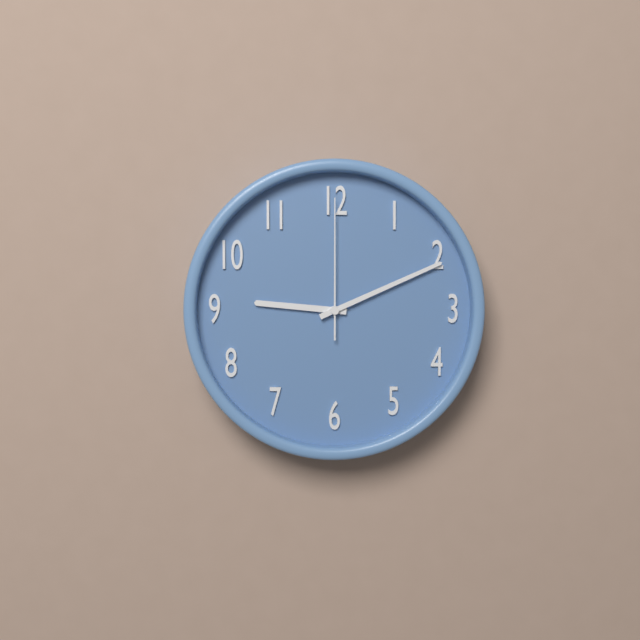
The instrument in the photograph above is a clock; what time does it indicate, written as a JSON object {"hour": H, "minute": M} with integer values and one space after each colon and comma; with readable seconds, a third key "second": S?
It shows {"hour": 9, "minute": 11, "second": 0}
